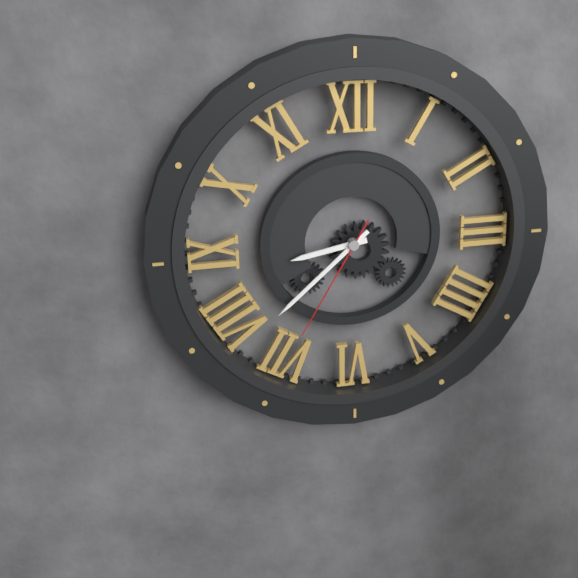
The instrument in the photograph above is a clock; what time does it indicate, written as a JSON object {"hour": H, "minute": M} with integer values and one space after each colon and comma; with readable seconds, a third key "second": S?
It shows {"hour": 8, "minute": 38, "second": 35}
